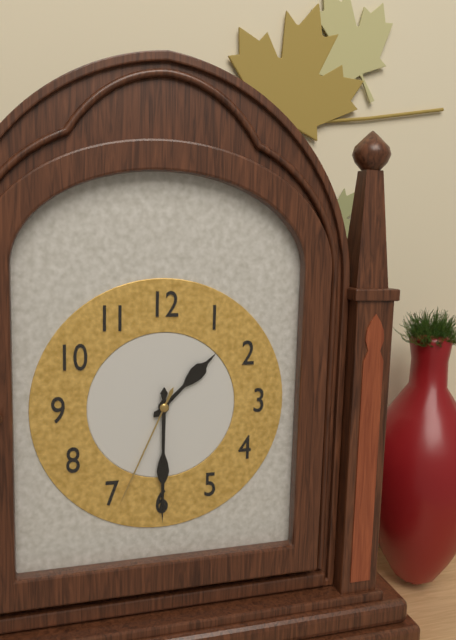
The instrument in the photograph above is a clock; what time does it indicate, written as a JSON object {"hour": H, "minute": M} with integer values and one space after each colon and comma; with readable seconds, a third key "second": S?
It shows {"hour": 1, "minute": 30, "second": 34}
